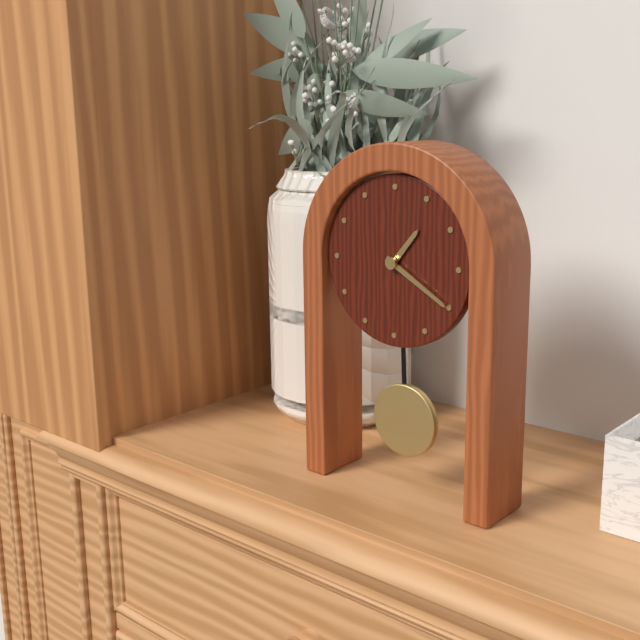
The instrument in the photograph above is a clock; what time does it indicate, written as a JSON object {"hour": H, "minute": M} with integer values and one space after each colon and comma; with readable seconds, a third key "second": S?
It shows {"hour": 1, "minute": 20}
